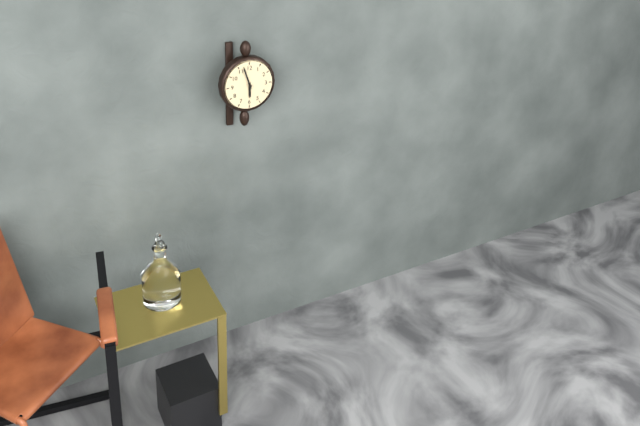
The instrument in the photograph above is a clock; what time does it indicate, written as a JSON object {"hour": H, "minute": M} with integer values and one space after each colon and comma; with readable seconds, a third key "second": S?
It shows {"hour": 5, "minute": 57}
